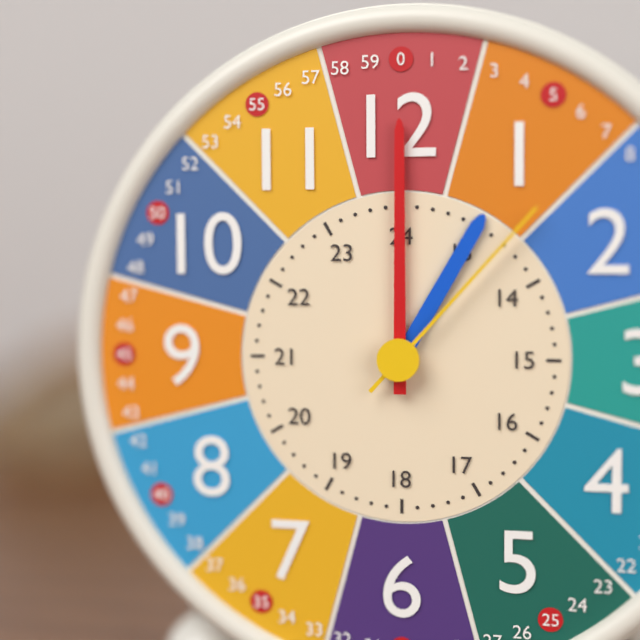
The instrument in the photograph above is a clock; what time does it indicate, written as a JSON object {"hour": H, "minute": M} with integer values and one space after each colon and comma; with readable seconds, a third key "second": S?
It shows {"hour": 1, "minute": 0, "second": 7}
